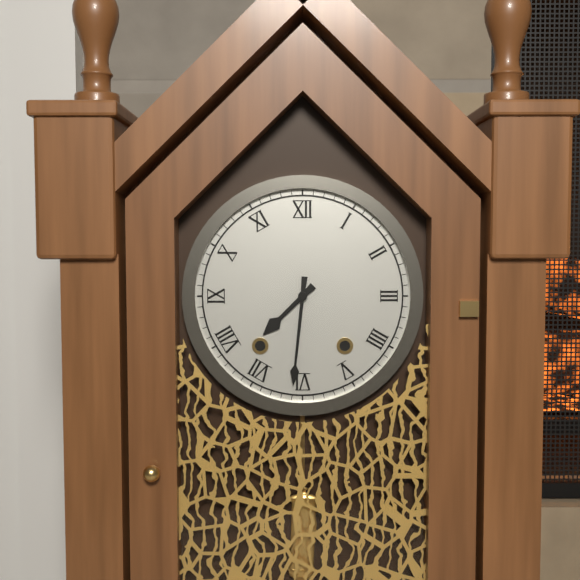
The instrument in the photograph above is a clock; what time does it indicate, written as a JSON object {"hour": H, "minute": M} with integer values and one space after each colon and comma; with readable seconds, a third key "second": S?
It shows {"hour": 7, "minute": 31}
